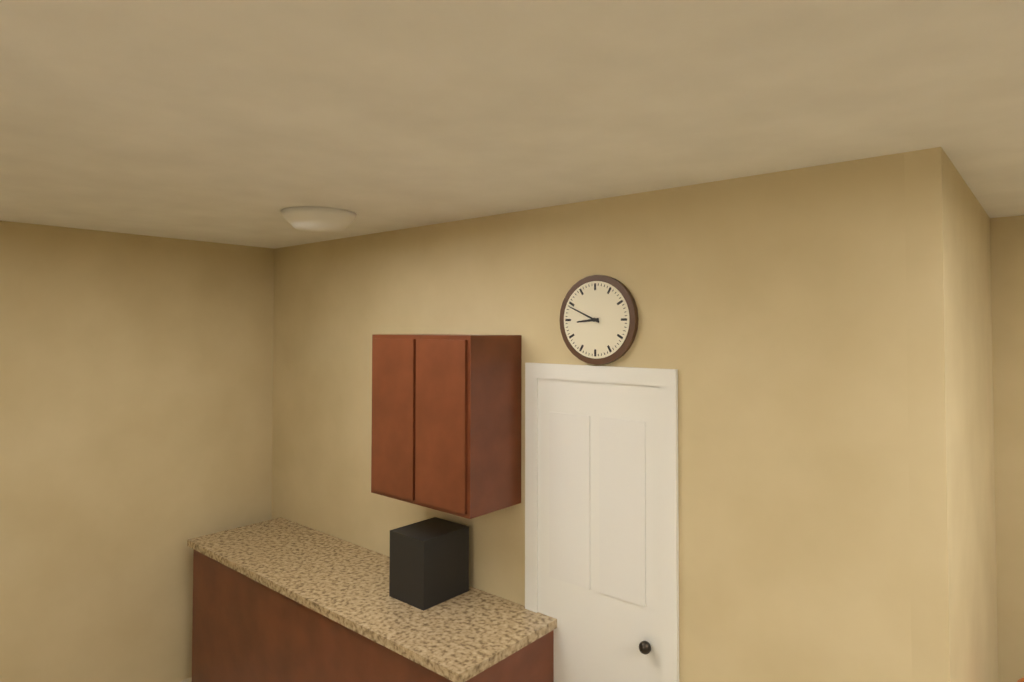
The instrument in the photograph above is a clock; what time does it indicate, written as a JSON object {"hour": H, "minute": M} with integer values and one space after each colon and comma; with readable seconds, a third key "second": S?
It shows {"hour": 8, "minute": 49}
